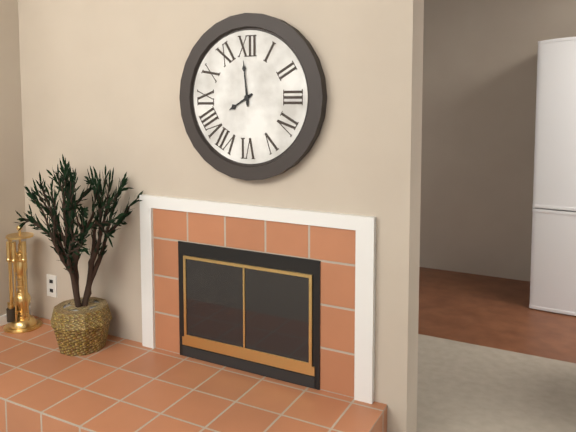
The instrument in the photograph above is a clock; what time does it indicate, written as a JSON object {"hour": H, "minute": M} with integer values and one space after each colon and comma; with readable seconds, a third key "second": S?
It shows {"hour": 7, "minute": 59}
